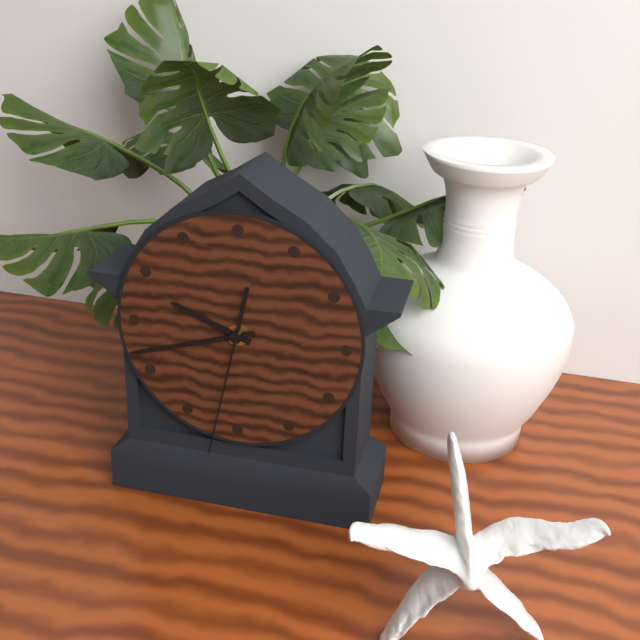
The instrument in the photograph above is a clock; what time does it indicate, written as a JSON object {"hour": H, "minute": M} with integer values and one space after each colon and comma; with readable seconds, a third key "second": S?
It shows {"hour": 9, "minute": 42, "second": 32}
